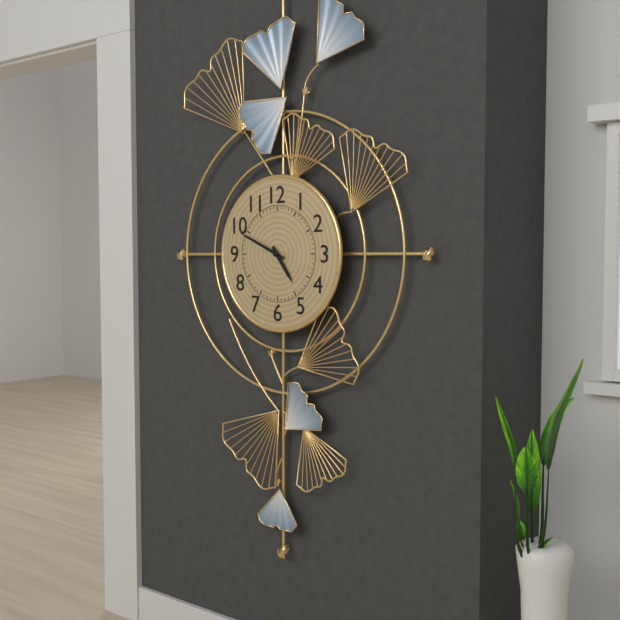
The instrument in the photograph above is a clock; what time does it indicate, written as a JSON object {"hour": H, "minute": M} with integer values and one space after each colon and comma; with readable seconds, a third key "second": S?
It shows {"hour": 4, "minute": 49}
